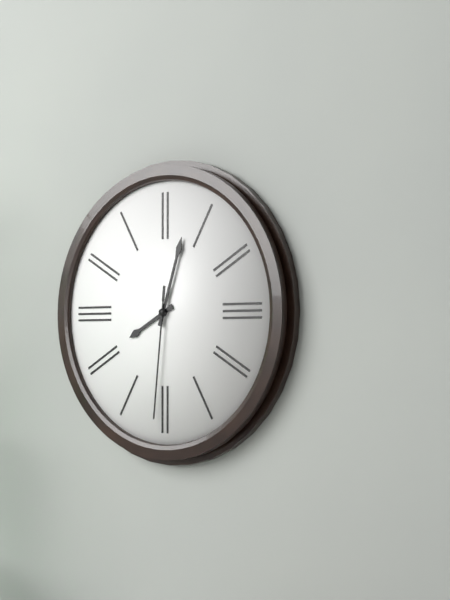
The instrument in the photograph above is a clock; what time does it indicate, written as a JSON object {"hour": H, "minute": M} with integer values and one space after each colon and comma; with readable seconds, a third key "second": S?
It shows {"hour": 8, "minute": 3, "second": 31}
